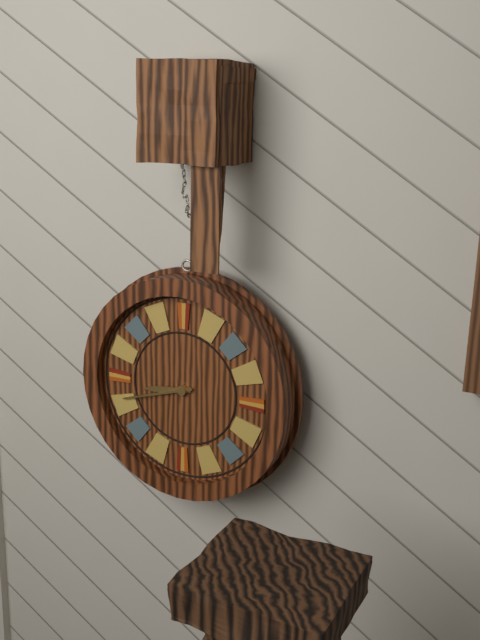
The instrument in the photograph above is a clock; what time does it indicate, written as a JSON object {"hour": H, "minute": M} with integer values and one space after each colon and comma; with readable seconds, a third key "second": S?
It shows {"hour": 8, "minute": 42}
